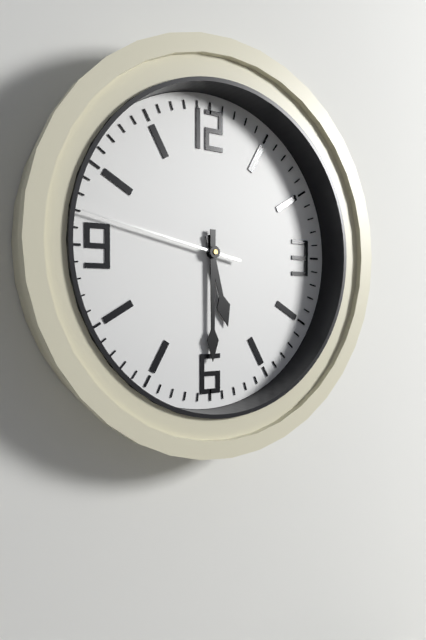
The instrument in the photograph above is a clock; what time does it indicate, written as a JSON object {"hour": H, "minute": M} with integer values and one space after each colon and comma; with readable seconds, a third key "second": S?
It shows {"hour": 5, "minute": 30, "second": 47}
